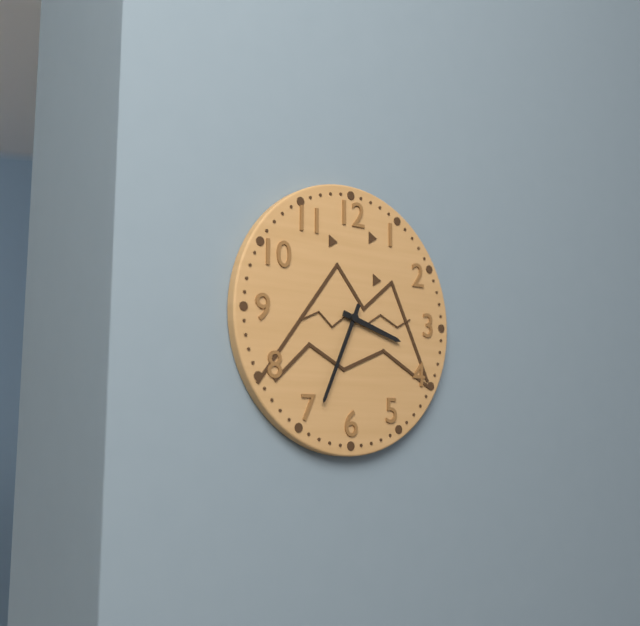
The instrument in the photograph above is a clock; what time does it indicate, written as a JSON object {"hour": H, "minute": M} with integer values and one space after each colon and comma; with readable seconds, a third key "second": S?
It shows {"hour": 3, "minute": 34}
